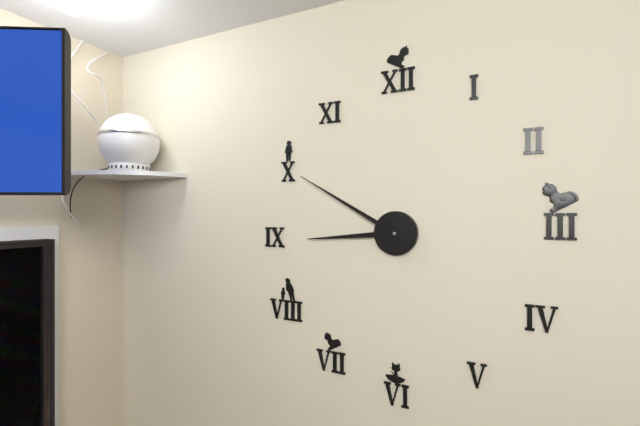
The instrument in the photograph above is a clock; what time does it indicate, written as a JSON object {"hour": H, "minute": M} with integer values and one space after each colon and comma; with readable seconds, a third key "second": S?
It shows {"hour": 8, "minute": 50}
